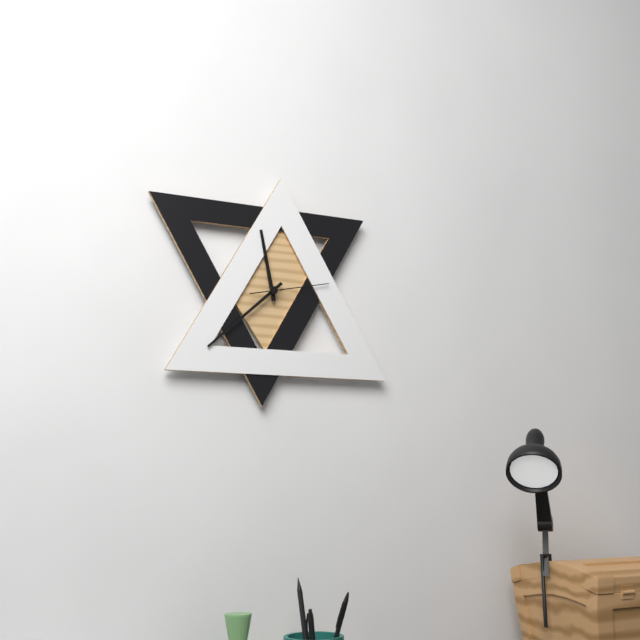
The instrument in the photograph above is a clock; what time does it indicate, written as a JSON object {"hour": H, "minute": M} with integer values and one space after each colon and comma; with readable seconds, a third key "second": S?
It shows {"hour": 11, "minute": 38, "second": 13}
